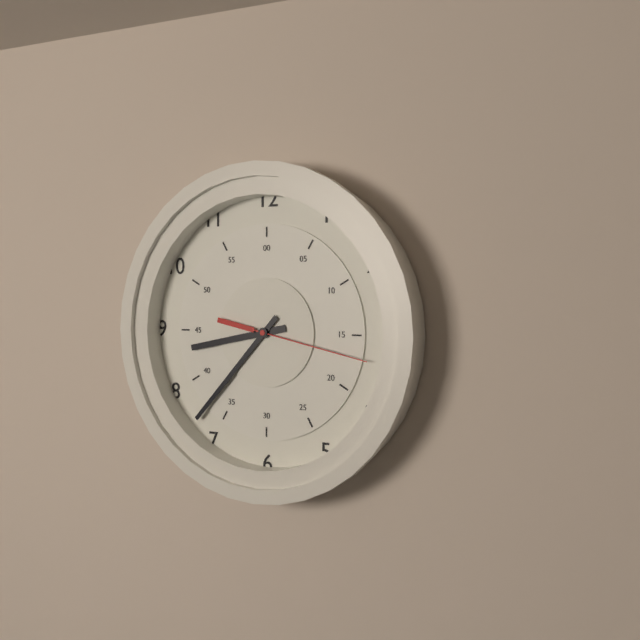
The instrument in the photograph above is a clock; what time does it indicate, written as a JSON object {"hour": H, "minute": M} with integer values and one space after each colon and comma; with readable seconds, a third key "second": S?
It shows {"hour": 8, "minute": 37, "second": 17}
